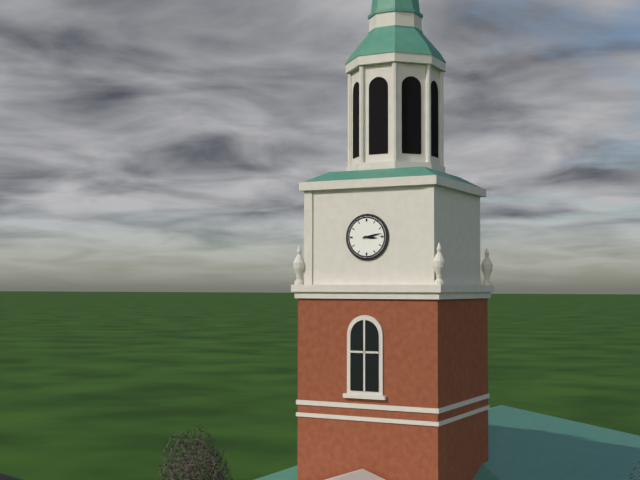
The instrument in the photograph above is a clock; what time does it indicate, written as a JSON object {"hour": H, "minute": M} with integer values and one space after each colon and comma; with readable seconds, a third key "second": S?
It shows {"hour": 3, "minute": 13}
